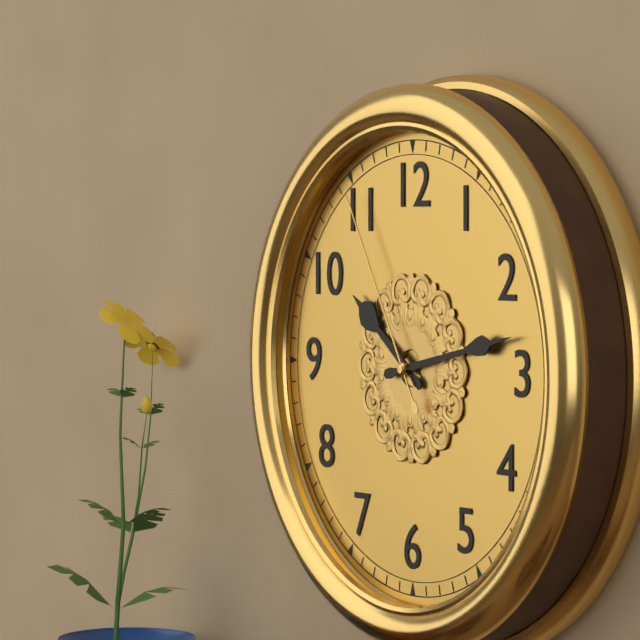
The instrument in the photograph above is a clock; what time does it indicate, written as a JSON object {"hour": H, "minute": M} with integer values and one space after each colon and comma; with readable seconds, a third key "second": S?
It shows {"hour": 10, "minute": 13, "second": 55}
